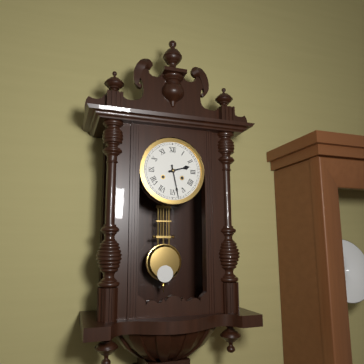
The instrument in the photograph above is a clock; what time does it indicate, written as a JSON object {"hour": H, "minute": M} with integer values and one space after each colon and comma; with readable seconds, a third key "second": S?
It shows {"hour": 2, "minute": 28}
